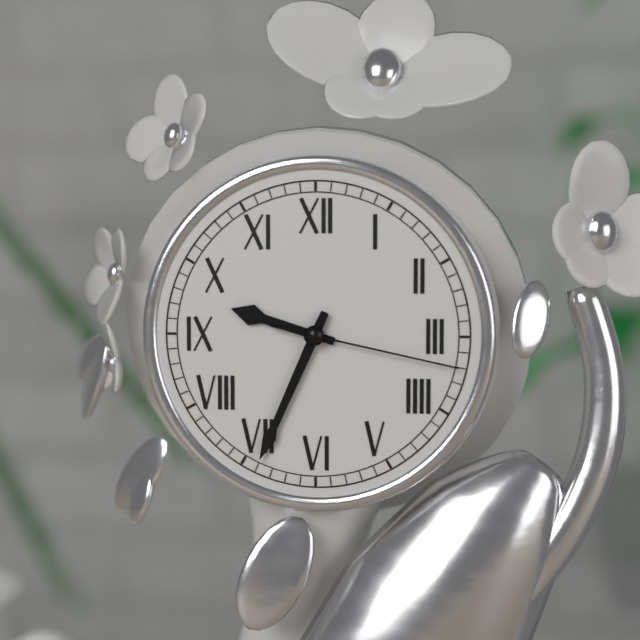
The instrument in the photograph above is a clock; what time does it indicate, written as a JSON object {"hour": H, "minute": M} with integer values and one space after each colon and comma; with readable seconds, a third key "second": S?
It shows {"hour": 9, "minute": 34, "second": 17}
